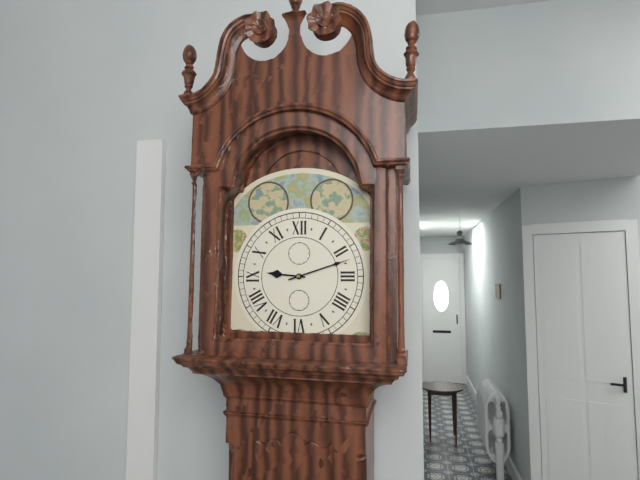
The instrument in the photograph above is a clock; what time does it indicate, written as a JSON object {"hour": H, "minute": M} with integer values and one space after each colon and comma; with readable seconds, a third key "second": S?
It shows {"hour": 9, "minute": 12}
